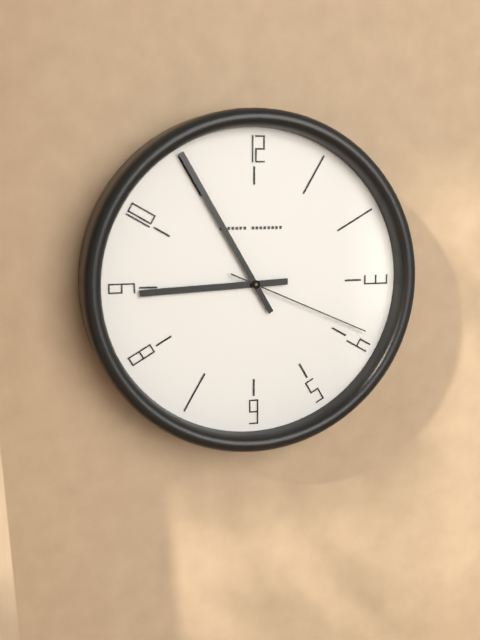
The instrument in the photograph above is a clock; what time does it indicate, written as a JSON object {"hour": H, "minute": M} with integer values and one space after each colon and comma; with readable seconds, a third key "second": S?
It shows {"hour": 8, "minute": 55, "second": 19}
